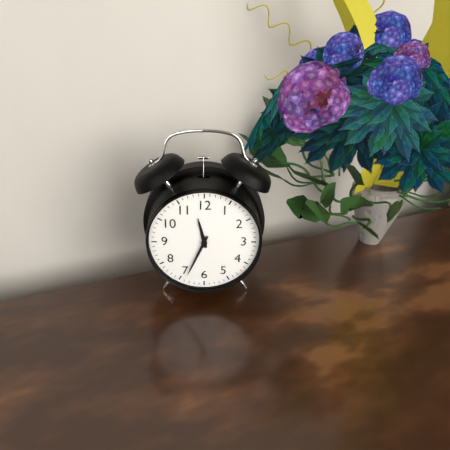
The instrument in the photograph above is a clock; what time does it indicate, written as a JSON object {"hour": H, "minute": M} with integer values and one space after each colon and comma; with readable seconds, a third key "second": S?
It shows {"hour": 11, "minute": 34}
